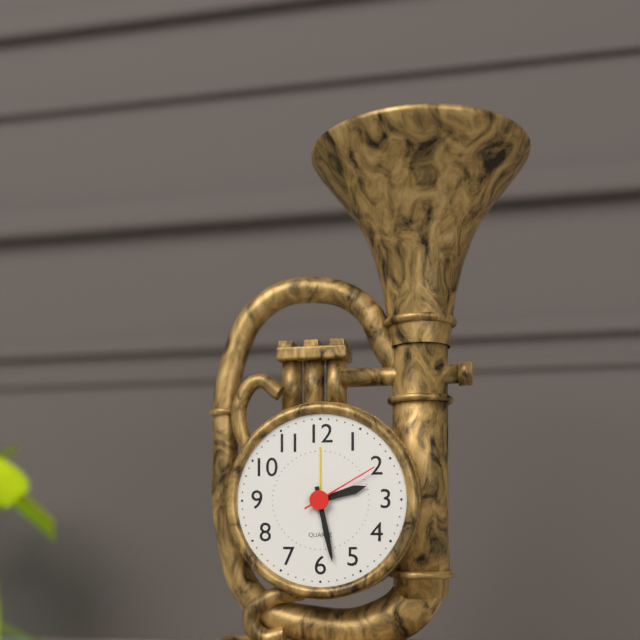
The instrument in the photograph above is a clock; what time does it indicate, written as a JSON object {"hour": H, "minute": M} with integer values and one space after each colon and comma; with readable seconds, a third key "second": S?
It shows {"hour": 2, "minute": 28, "second": 10}
